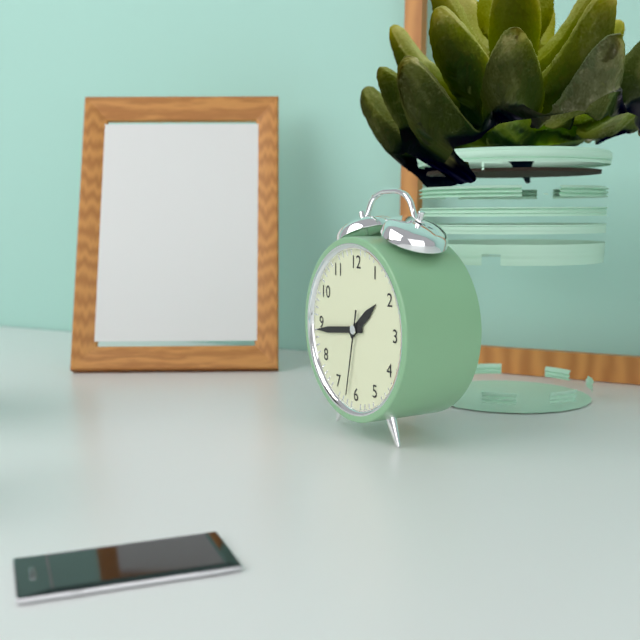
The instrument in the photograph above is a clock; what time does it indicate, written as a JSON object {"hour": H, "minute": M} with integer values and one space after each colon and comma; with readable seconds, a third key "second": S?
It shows {"hour": 1, "minute": 44, "second": 32}
